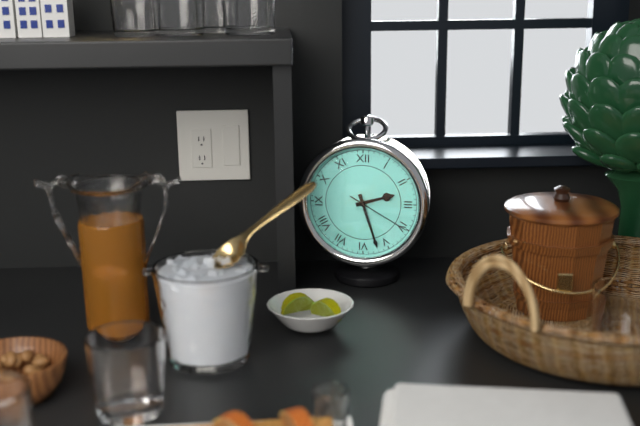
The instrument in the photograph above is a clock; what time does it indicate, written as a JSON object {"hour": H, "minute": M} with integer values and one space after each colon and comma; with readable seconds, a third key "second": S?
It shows {"hour": 2, "minute": 27, "second": 20}
